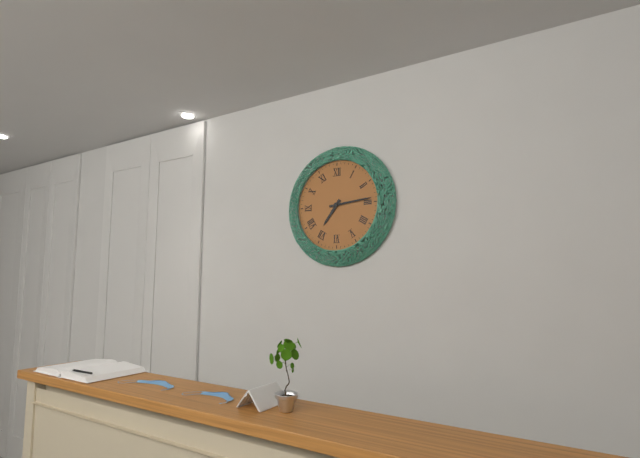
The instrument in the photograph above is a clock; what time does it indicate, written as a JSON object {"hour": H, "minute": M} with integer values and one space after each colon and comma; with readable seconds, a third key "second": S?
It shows {"hour": 7, "minute": 14}
